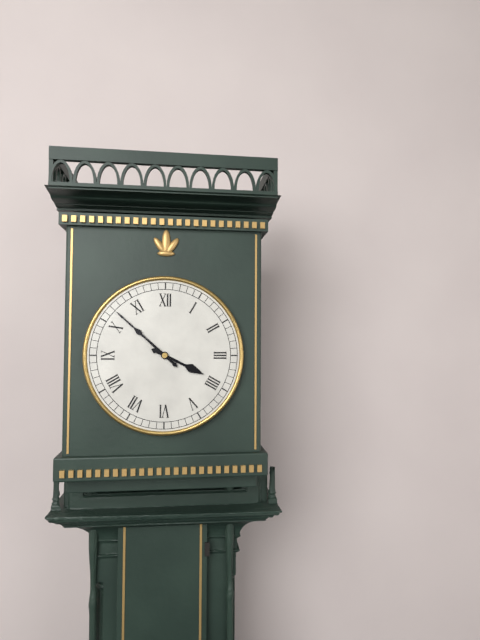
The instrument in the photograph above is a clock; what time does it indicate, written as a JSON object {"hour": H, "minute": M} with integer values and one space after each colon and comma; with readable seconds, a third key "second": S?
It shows {"hour": 3, "minute": 52}
